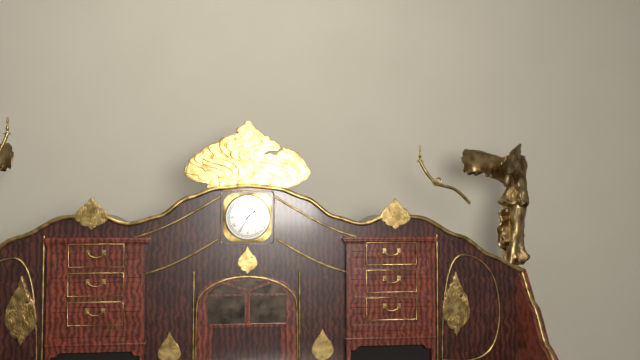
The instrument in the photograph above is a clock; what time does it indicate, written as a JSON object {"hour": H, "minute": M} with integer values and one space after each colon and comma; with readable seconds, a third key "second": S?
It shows {"hour": 1, "minute": 35}
